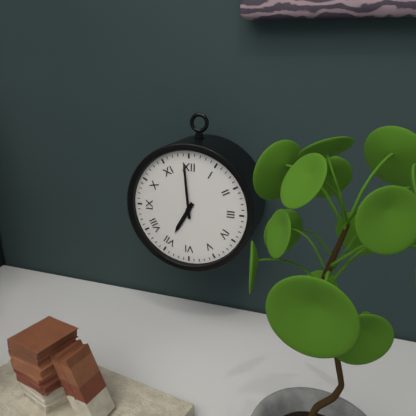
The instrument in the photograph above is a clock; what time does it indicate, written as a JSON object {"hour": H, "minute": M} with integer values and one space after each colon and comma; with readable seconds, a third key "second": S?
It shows {"hour": 6, "minute": 59}
